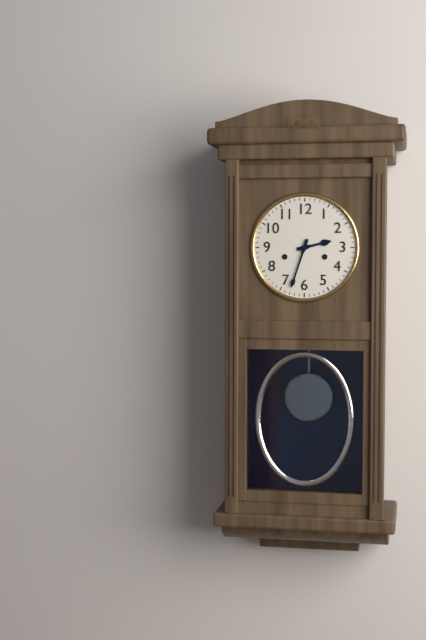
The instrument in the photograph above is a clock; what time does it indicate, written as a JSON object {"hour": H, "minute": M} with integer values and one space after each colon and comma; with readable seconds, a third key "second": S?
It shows {"hour": 2, "minute": 33}
